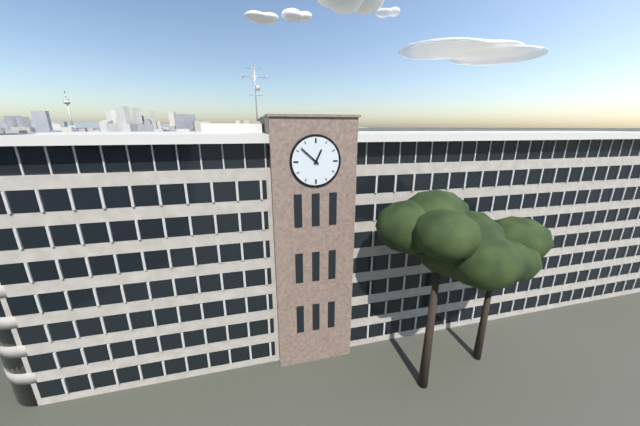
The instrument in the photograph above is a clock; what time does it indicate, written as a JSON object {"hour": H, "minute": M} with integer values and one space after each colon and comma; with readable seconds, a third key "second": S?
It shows {"hour": 12, "minute": 52}
